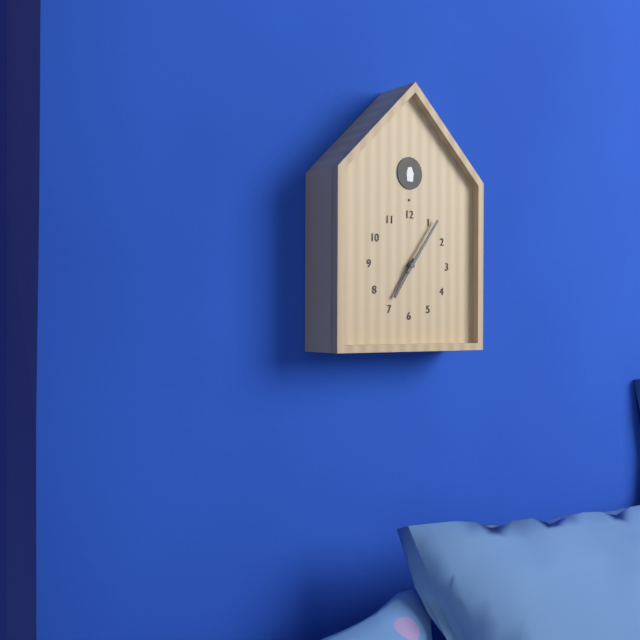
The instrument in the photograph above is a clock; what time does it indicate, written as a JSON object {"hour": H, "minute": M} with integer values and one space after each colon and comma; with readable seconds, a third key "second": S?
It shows {"hour": 7, "minute": 6}
